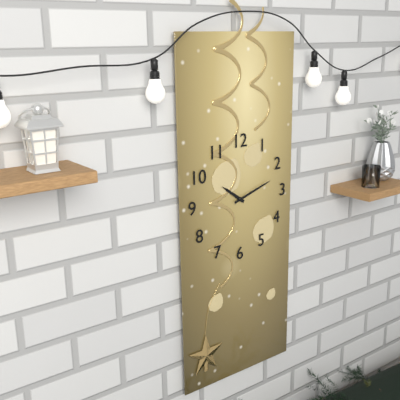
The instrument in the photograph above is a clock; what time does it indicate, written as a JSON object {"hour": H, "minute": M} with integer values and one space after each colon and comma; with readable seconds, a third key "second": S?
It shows {"hour": 10, "minute": 12}
